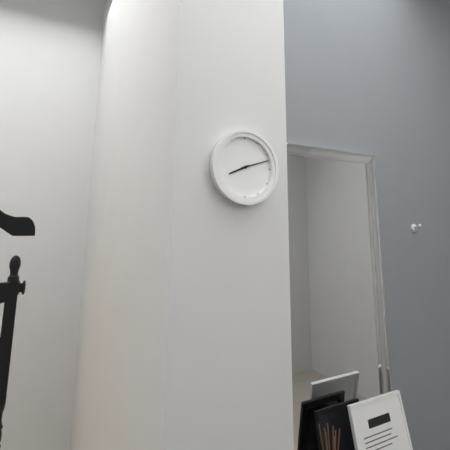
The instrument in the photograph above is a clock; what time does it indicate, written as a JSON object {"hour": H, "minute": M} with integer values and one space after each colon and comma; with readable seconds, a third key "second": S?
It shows {"hour": 8, "minute": 12}
